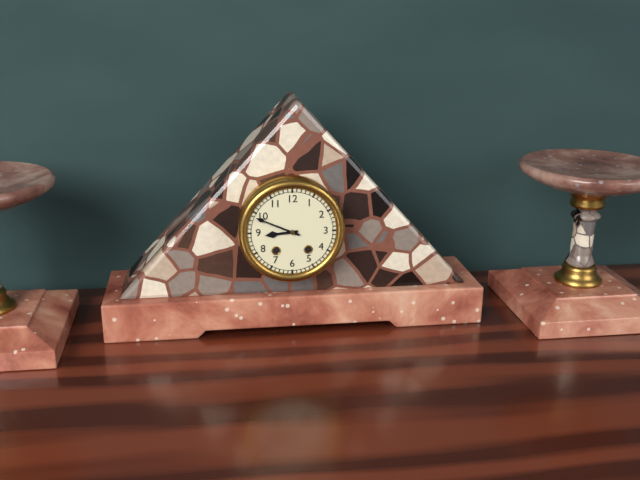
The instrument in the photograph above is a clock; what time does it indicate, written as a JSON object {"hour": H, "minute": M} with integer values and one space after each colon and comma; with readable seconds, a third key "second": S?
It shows {"hour": 8, "minute": 49}
